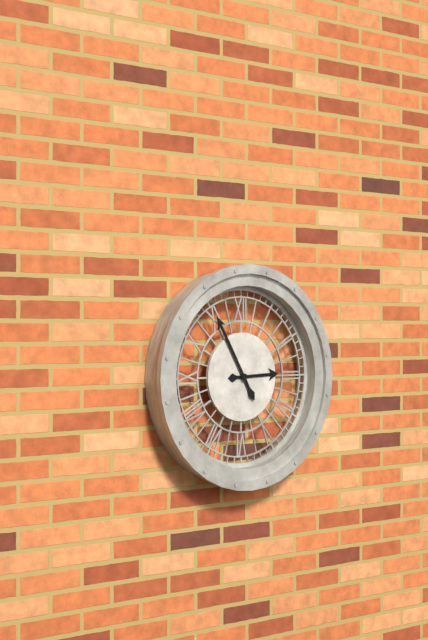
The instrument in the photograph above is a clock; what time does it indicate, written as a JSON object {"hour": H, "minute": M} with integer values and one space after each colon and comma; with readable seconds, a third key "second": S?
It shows {"hour": 2, "minute": 55}
